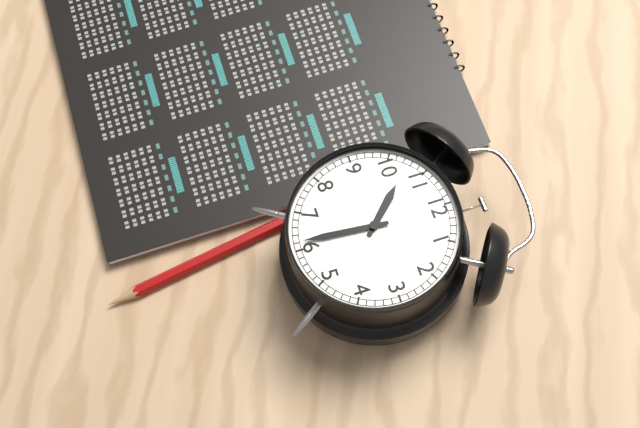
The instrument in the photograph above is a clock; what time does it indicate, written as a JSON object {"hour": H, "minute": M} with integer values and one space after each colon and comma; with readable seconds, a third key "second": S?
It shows {"hour": 10, "minute": 31}
